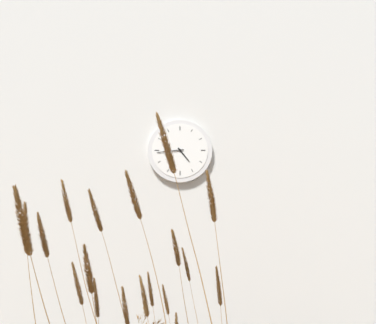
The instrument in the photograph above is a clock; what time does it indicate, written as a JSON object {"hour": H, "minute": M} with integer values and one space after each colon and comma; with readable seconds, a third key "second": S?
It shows {"hour": 4, "minute": 44}
